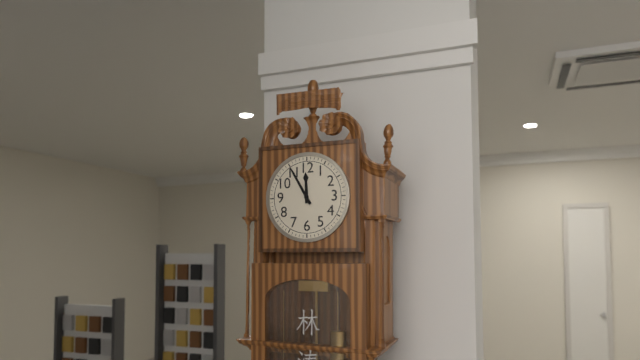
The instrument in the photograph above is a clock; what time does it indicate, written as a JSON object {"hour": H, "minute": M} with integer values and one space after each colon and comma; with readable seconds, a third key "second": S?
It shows {"hour": 11, "minute": 55}
